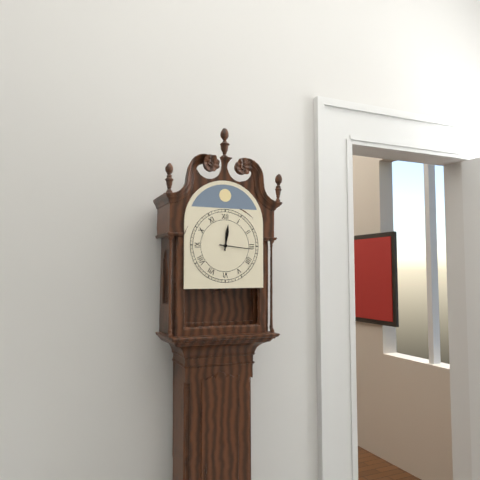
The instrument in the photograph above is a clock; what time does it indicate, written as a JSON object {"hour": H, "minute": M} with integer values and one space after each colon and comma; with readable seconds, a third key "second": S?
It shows {"hour": 12, "minute": 16}
